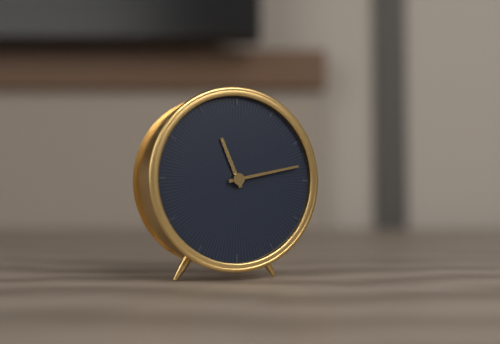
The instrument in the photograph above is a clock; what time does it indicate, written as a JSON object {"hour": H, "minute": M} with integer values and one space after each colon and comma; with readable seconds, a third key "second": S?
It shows {"hour": 11, "minute": 13}
